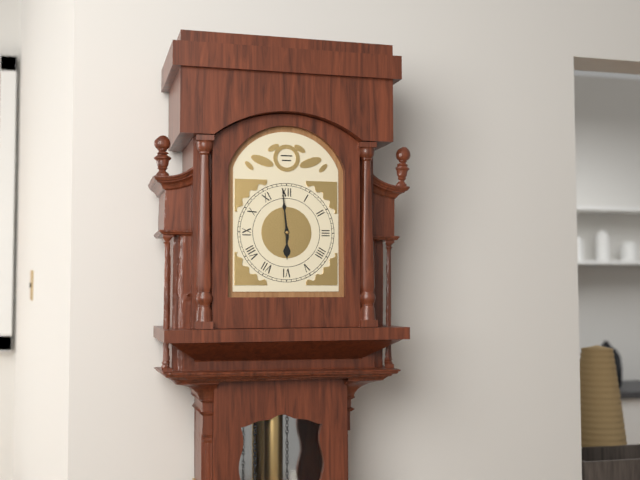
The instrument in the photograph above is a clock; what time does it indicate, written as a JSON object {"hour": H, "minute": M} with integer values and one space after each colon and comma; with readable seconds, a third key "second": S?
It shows {"hour": 5, "minute": 59}
